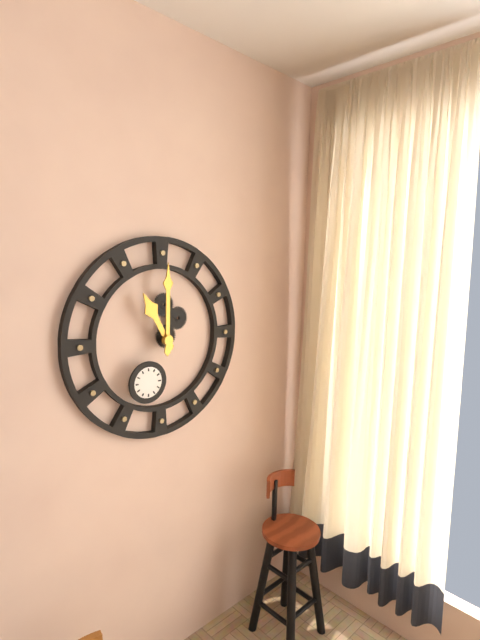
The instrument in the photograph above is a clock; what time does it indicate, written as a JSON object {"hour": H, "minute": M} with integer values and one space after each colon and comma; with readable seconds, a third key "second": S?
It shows {"hour": 11, "minute": 0}
